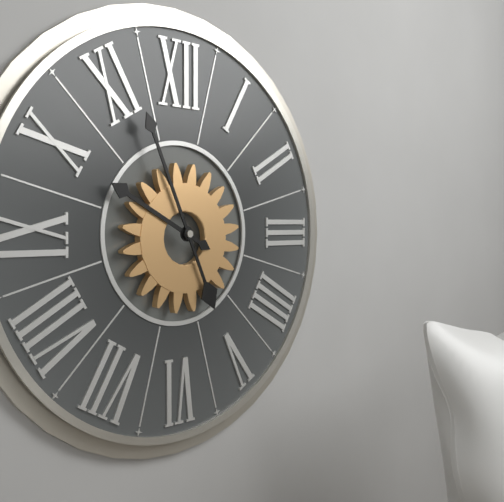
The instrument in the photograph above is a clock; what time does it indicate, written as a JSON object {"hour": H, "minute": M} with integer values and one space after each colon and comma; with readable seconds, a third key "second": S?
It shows {"hour": 9, "minute": 56}
